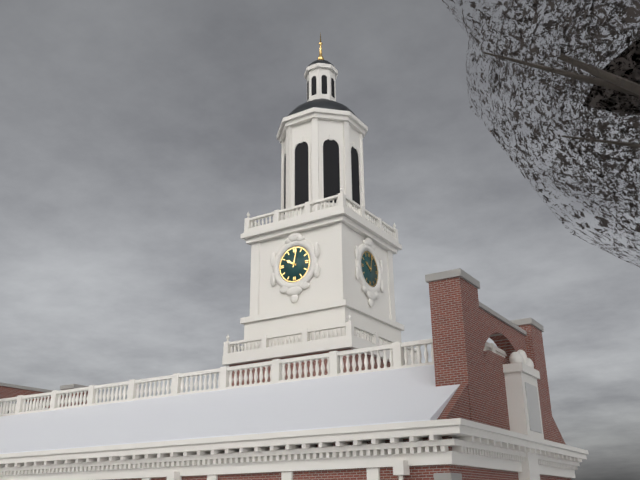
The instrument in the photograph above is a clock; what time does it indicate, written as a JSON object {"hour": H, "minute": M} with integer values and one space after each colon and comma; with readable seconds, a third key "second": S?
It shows {"hour": 10, "minute": 2}
